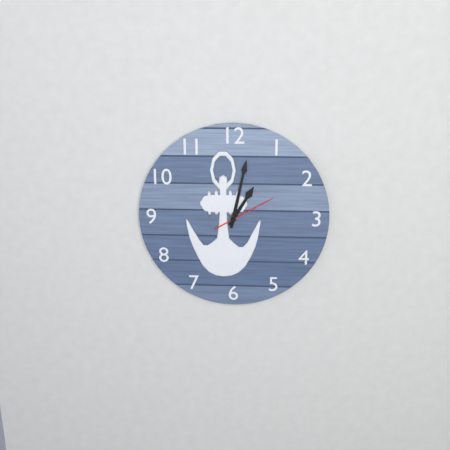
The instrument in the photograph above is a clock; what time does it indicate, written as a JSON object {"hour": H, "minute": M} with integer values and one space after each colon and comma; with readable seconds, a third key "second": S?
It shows {"hour": 1, "minute": 2, "second": 10}
